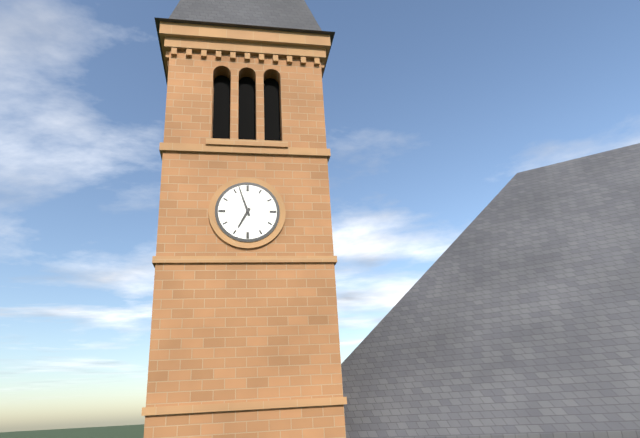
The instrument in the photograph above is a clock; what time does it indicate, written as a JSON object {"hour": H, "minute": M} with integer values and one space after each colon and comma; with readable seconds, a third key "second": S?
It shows {"hour": 6, "minute": 57}
